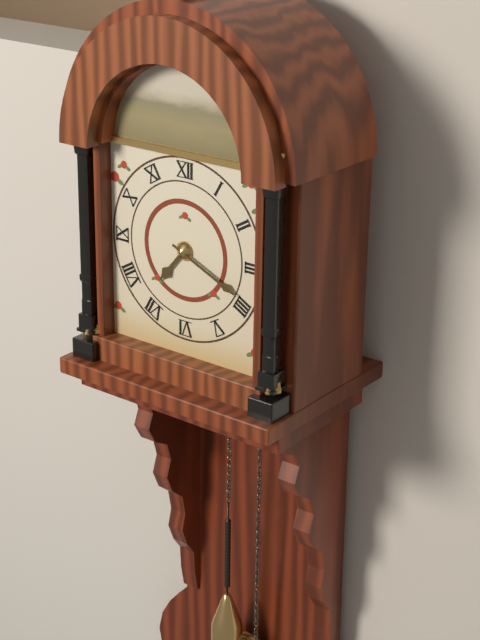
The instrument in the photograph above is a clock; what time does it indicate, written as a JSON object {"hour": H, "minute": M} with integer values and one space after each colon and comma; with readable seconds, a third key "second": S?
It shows {"hour": 7, "minute": 19}
